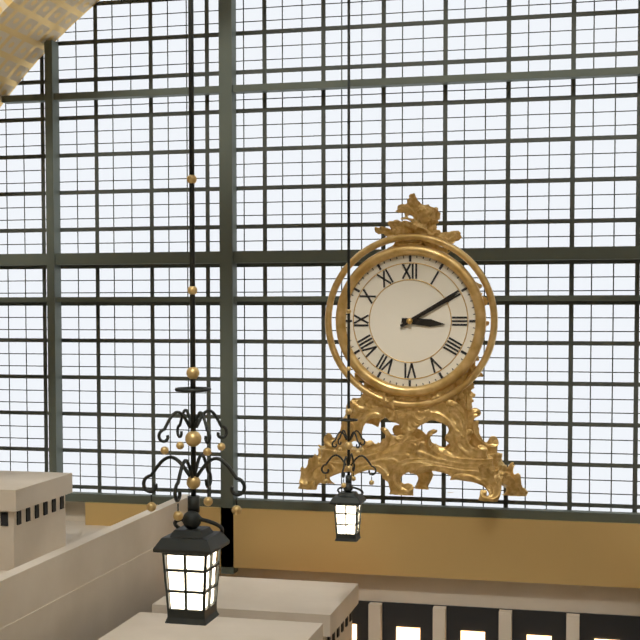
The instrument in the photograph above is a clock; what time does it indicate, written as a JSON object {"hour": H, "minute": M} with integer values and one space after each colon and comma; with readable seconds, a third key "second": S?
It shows {"hour": 3, "minute": 10}
